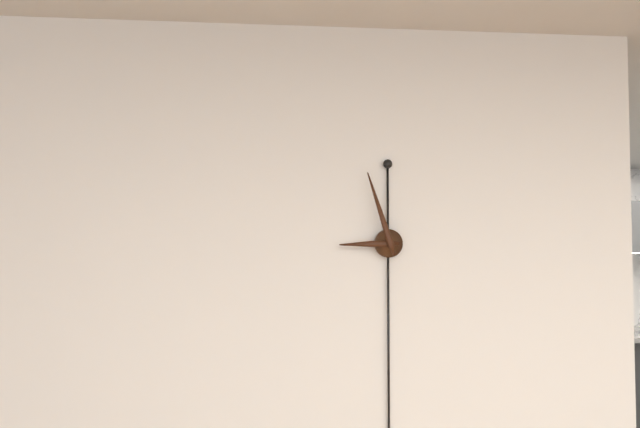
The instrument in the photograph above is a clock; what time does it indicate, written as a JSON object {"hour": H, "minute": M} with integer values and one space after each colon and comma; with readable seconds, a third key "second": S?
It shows {"hour": 8, "minute": 57}
